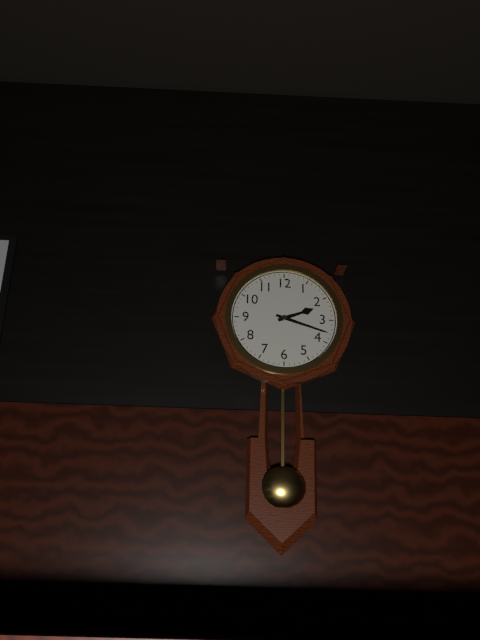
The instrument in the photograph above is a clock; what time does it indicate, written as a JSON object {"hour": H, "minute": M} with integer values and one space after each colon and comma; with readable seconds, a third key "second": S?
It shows {"hour": 2, "minute": 18}
